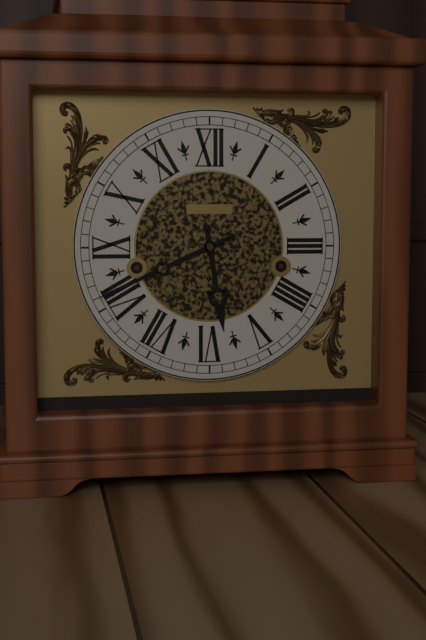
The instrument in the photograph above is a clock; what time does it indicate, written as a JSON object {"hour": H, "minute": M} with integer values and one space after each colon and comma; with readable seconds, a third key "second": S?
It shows {"hour": 5, "minute": 41}
